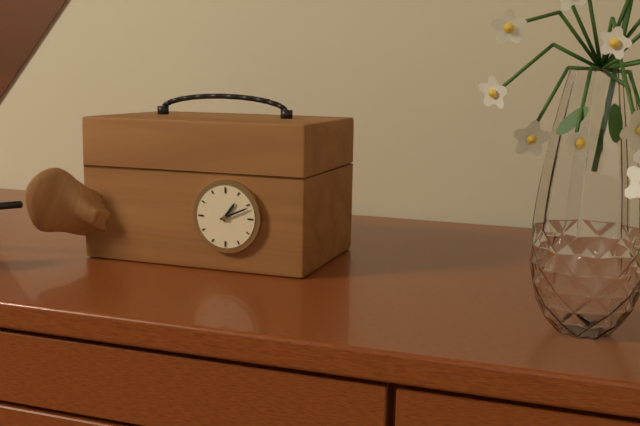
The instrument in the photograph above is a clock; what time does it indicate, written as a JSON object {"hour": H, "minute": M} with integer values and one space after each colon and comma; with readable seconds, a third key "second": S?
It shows {"hour": 1, "minute": 11}
